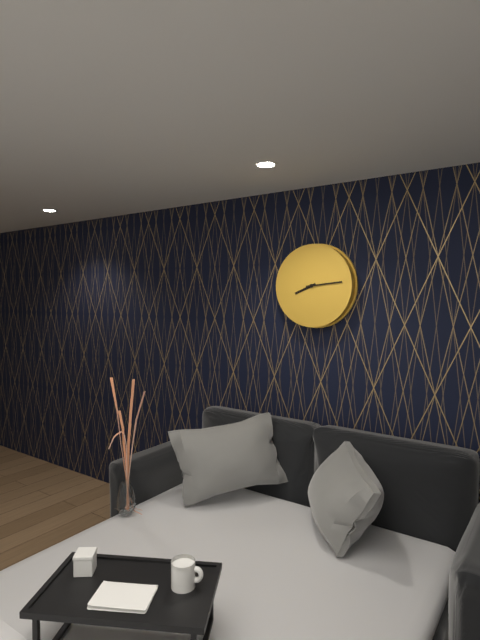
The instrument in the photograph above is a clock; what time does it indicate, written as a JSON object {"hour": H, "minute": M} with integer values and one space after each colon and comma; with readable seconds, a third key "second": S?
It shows {"hour": 8, "minute": 14}
